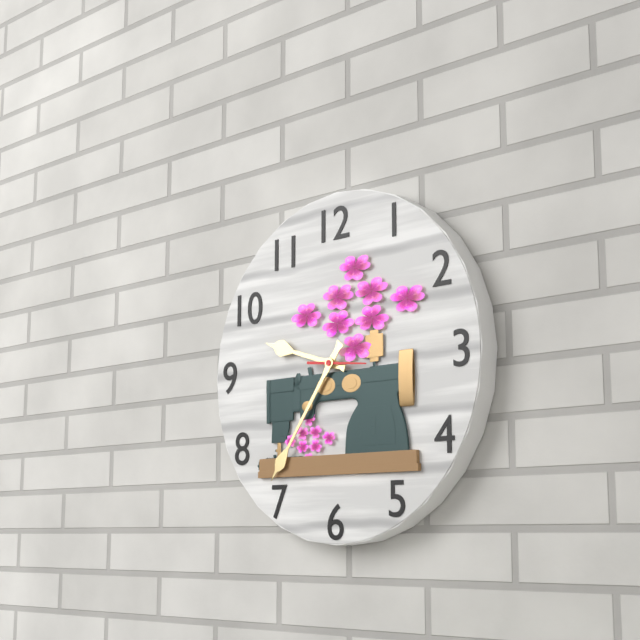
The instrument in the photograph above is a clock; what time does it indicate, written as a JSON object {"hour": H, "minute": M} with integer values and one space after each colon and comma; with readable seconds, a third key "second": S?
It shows {"hour": 9, "minute": 36}
